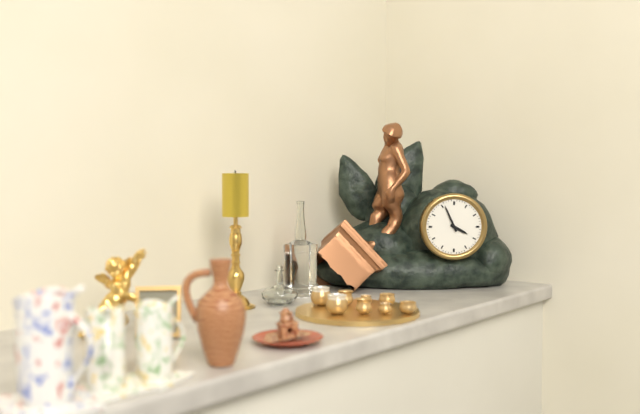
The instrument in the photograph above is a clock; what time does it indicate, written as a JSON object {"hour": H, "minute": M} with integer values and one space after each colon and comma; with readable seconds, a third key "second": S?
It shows {"hour": 3, "minute": 56}
